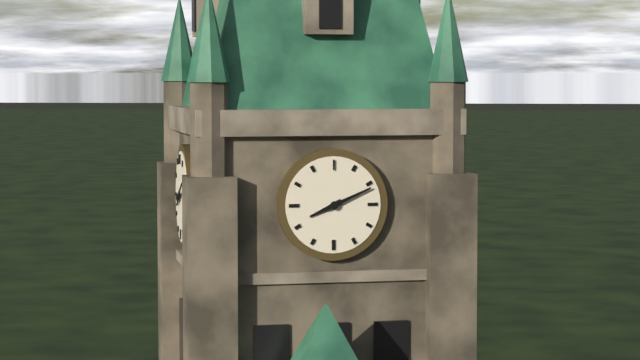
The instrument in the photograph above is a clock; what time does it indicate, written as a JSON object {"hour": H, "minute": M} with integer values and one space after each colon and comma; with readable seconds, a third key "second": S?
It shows {"hour": 8, "minute": 11}
